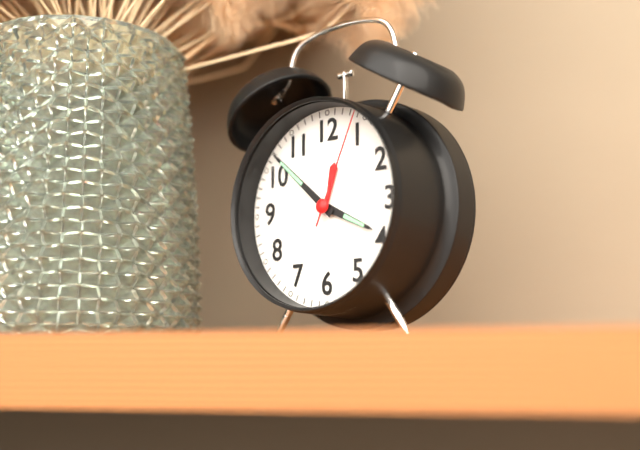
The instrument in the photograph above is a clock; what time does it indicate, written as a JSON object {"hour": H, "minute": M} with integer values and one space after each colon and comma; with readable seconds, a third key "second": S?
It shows {"hour": 3, "minute": 52, "second": 4}
